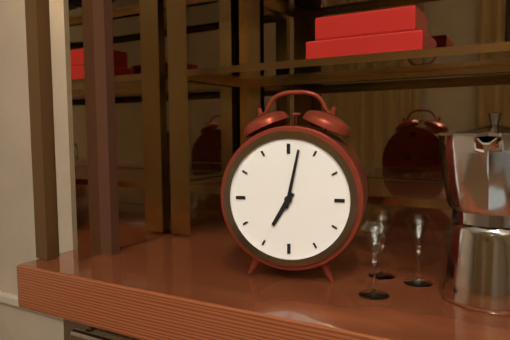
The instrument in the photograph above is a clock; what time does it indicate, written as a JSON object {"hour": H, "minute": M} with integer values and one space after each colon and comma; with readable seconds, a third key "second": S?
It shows {"hour": 7, "minute": 2}
